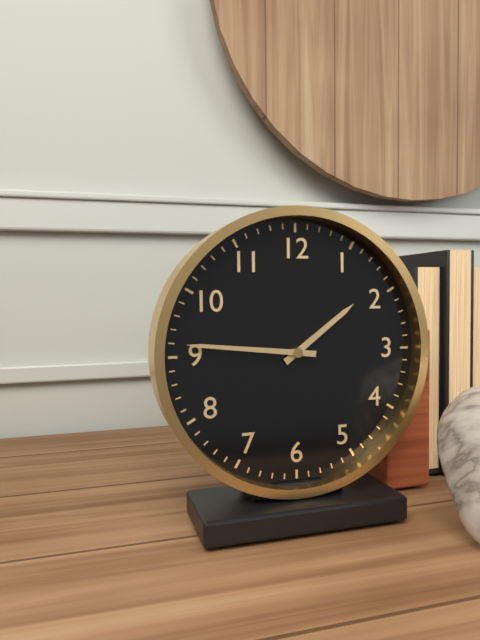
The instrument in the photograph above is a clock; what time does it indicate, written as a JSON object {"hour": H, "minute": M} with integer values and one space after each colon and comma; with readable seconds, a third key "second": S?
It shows {"hour": 1, "minute": 46}
